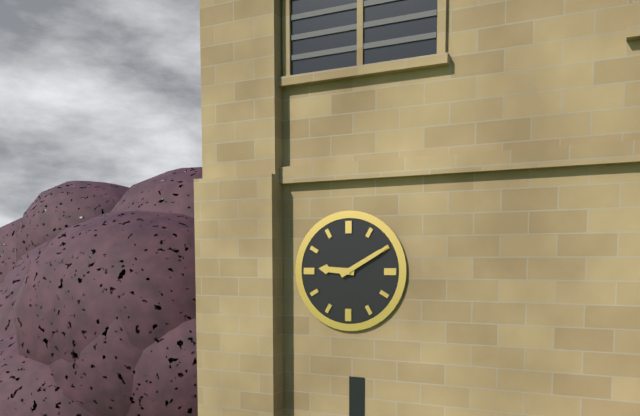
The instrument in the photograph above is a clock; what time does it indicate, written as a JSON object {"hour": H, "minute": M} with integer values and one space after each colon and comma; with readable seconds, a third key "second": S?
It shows {"hour": 9, "minute": 10}
